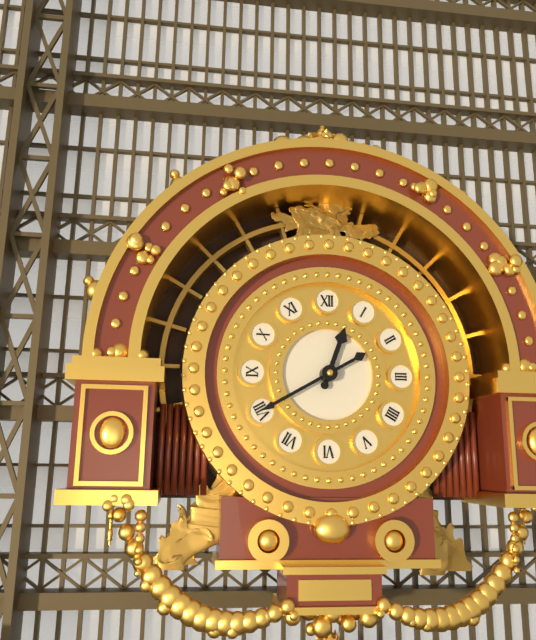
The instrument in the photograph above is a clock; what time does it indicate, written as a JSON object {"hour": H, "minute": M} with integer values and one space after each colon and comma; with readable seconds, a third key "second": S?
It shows {"hour": 12, "minute": 40}
